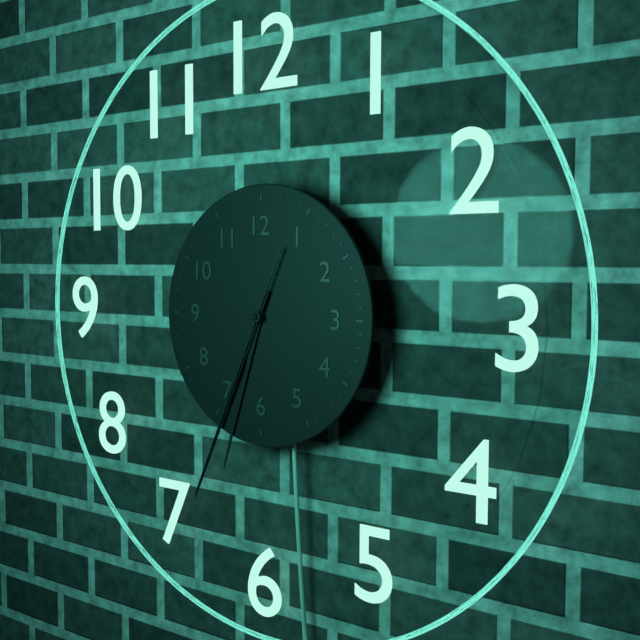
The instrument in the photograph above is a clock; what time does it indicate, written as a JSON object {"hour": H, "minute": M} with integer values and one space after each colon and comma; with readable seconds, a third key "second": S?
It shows {"hour": 6, "minute": 34, "second": 34}
